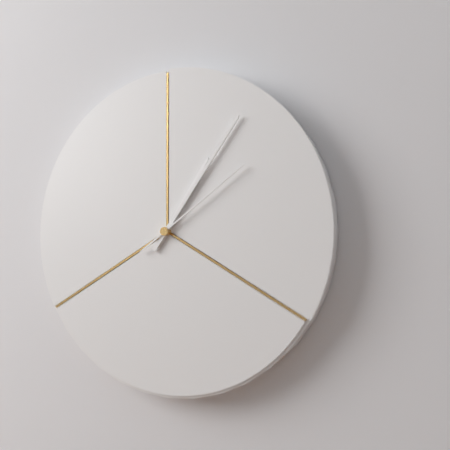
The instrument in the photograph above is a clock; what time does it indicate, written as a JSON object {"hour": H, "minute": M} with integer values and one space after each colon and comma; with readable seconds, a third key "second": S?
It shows {"hour": 1, "minute": 6, "second": 9}
